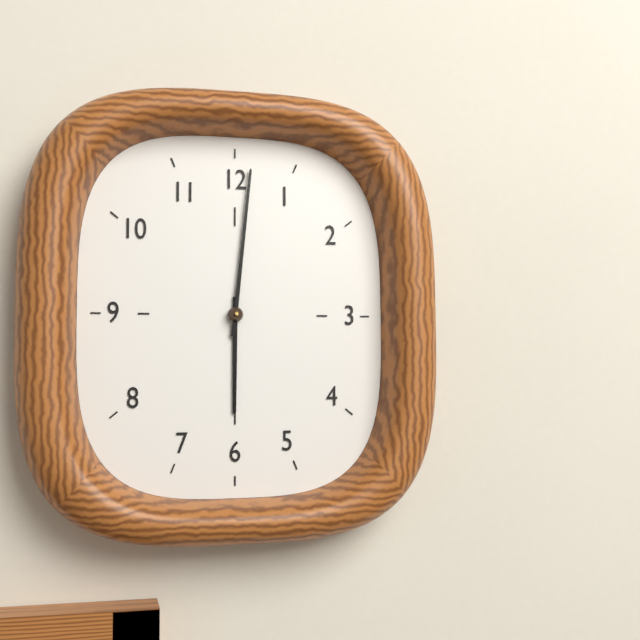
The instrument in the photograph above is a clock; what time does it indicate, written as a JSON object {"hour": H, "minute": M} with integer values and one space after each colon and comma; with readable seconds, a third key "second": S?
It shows {"hour": 6, "minute": 1}
